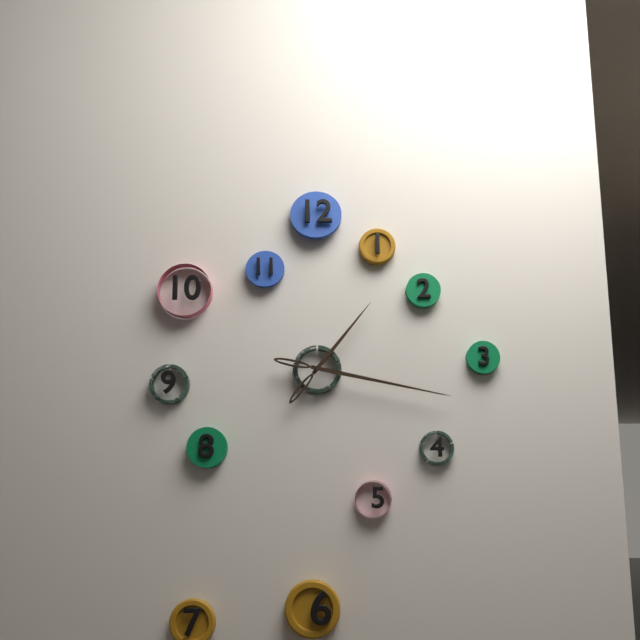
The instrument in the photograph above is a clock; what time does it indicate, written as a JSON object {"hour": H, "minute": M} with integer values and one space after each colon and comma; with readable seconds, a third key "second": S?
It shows {"hour": 1, "minute": 17}
